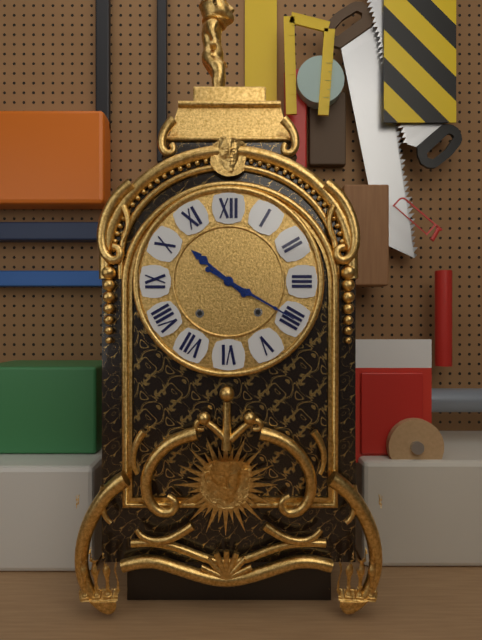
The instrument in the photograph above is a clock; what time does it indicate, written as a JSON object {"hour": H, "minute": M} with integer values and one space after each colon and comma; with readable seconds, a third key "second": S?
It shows {"hour": 10, "minute": 20}
